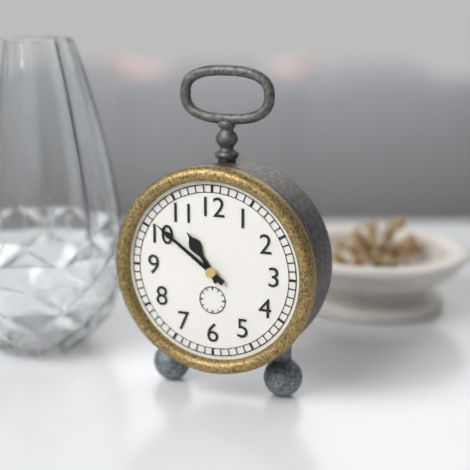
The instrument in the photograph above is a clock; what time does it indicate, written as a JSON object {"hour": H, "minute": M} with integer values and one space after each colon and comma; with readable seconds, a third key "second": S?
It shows {"hour": 10, "minute": 51}
